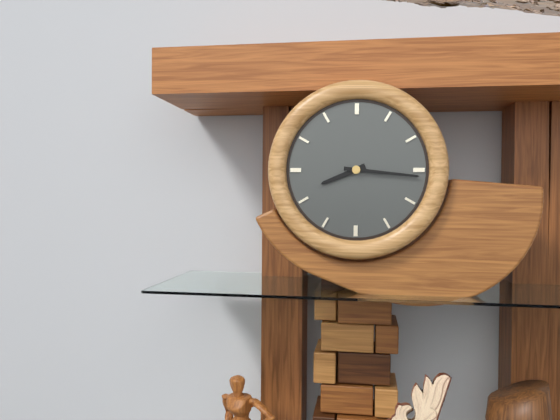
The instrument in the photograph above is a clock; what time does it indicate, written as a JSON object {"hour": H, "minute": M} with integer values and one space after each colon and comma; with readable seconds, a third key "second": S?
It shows {"hour": 8, "minute": 16}
